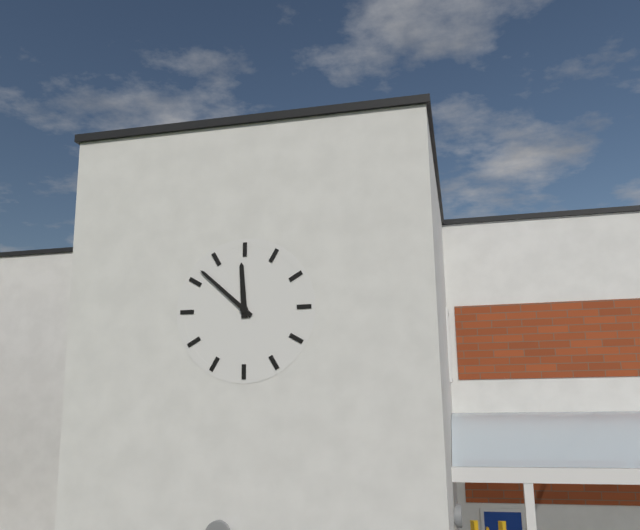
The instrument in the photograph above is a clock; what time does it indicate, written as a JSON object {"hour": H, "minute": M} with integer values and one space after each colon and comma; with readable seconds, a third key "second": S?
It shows {"hour": 11, "minute": 52}
